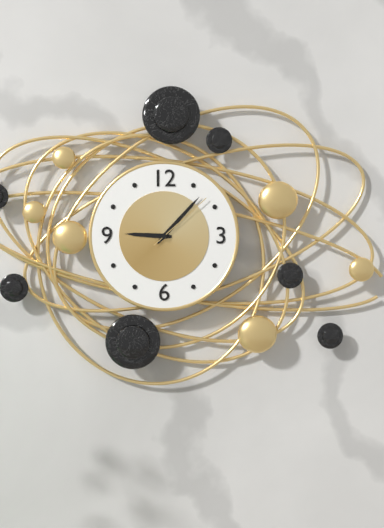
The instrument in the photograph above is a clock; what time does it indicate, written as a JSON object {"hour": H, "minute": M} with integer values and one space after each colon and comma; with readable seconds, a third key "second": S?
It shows {"hour": 9, "minute": 7, "second": 8}
